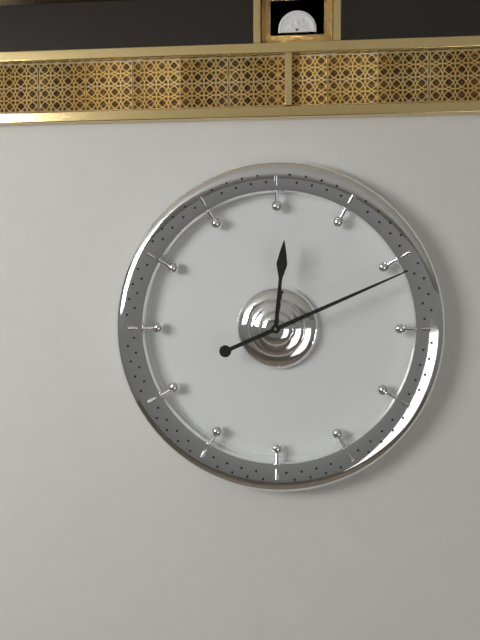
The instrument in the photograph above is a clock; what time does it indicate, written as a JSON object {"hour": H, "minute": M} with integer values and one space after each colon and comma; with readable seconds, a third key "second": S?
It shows {"hour": 12, "minute": 11}
